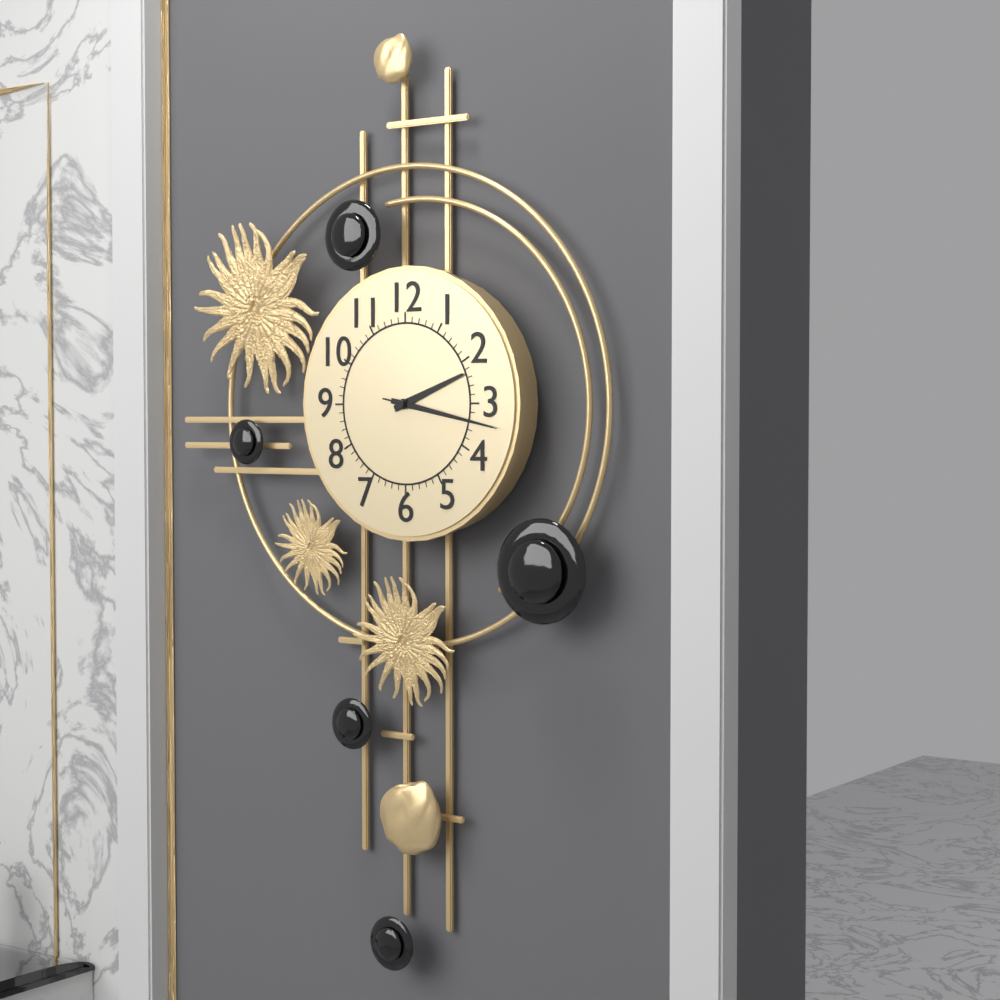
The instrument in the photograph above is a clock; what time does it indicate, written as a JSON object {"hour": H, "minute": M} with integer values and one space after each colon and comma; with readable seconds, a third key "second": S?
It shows {"hour": 2, "minute": 17, "second": 17}
